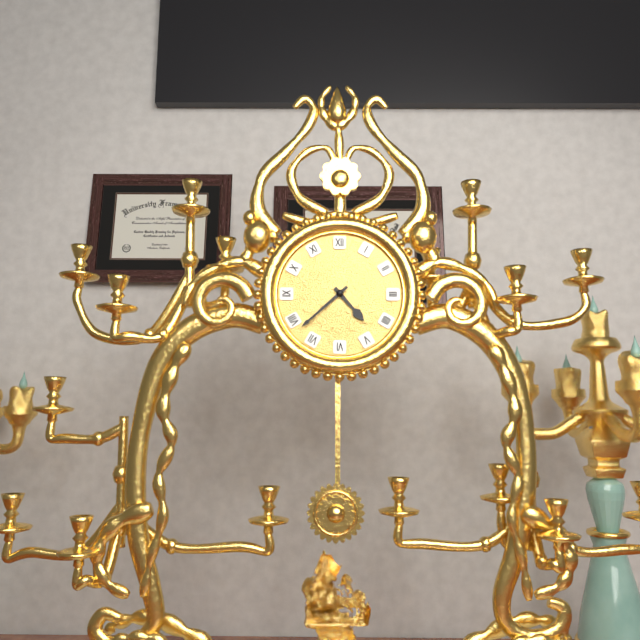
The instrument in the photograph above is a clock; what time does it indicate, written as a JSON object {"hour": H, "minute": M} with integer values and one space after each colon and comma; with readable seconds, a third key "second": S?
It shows {"hour": 4, "minute": 38}
